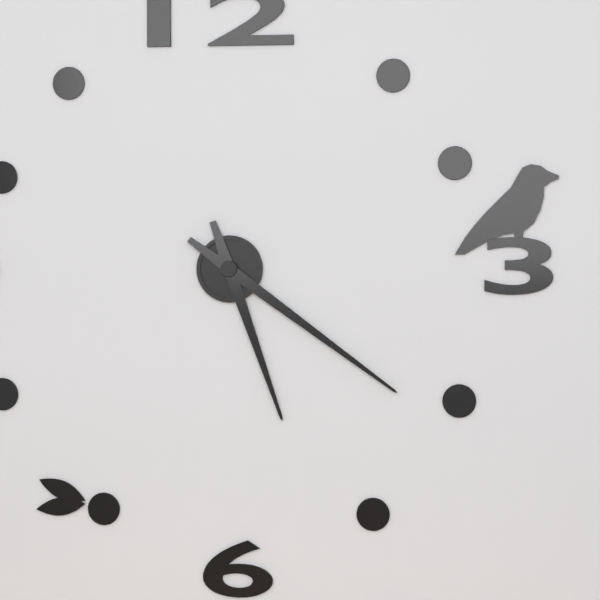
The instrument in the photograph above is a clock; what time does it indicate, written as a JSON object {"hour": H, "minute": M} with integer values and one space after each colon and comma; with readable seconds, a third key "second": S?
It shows {"hour": 5, "minute": 21}
